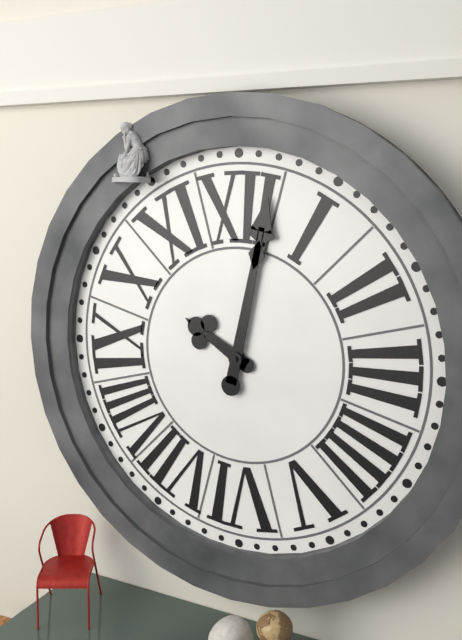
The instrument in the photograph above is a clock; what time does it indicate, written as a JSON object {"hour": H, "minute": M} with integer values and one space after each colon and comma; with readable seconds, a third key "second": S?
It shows {"hour": 10, "minute": 2}
